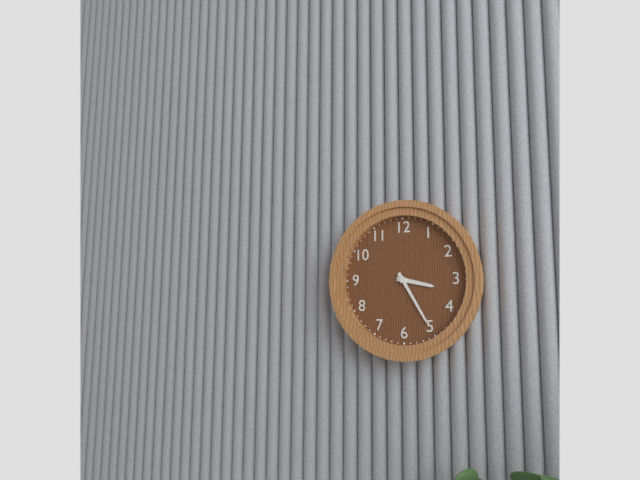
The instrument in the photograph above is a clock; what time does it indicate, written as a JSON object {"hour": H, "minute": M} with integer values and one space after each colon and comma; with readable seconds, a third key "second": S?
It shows {"hour": 3, "minute": 25}
